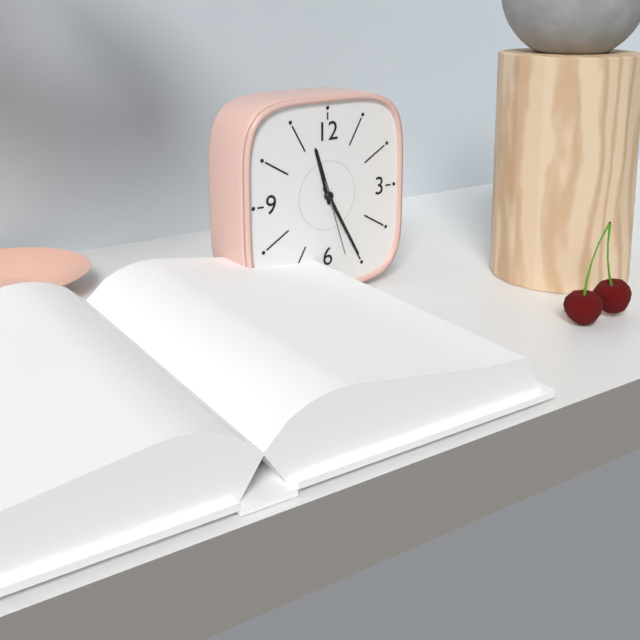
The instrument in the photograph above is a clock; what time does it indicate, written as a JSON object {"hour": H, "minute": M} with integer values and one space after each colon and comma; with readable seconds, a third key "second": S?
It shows {"hour": 11, "minute": 25, "second": 27}
